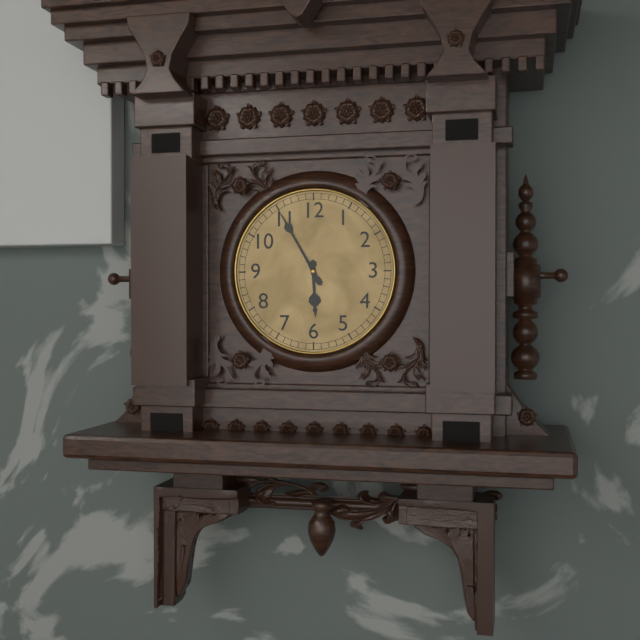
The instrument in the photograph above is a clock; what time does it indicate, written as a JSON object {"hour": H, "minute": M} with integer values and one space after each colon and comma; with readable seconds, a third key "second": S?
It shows {"hour": 5, "minute": 55}
